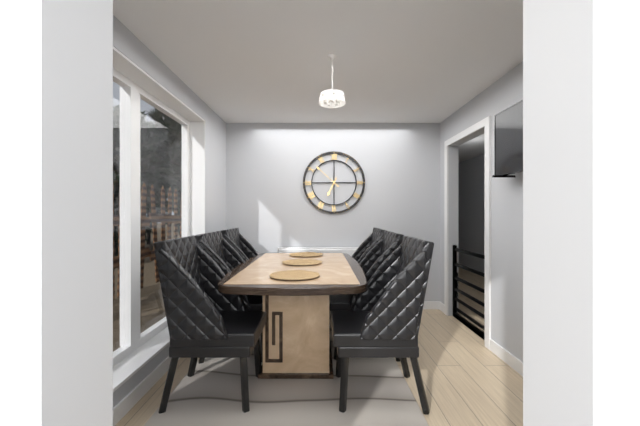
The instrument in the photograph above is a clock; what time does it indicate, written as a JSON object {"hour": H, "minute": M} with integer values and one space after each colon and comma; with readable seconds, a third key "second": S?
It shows {"hour": 6, "minute": 52}
